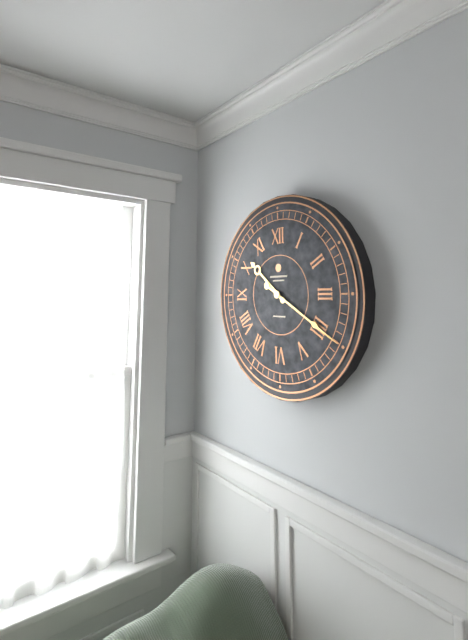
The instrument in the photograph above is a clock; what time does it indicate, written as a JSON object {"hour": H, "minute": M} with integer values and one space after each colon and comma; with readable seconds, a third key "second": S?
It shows {"hour": 10, "minute": 20}
